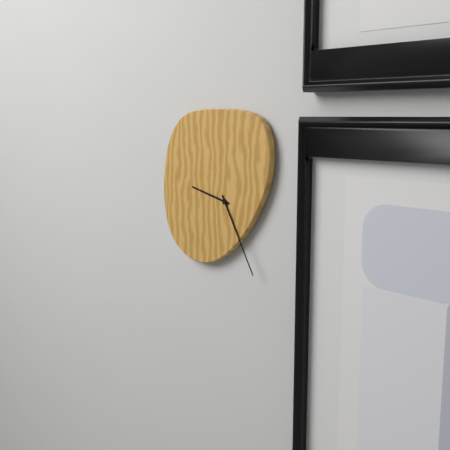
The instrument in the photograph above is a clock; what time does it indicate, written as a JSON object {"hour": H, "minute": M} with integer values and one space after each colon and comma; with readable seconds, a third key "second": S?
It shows {"hour": 9, "minute": 25}
